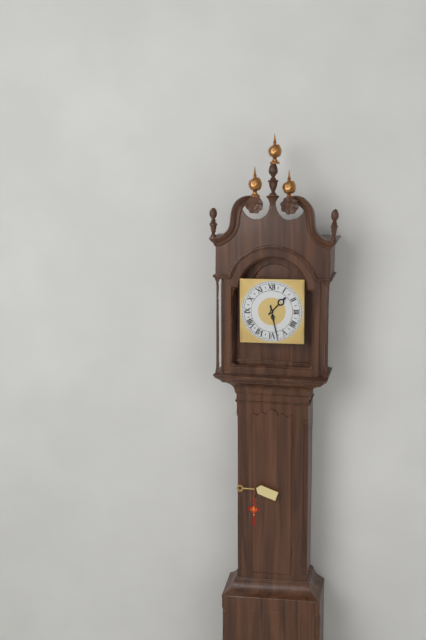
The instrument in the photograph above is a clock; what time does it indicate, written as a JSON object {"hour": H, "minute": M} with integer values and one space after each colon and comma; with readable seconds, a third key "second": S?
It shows {"hour": 1, "minute": 28}
